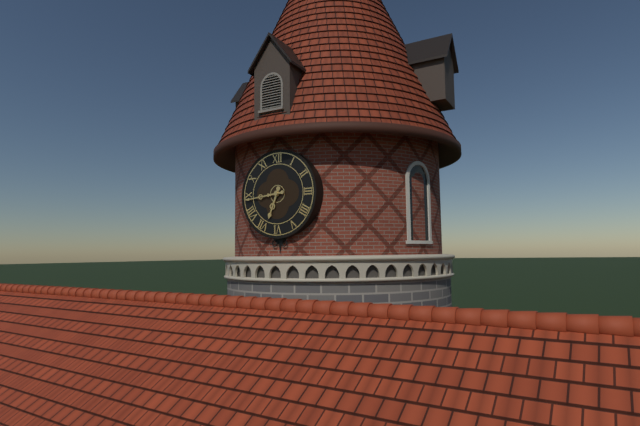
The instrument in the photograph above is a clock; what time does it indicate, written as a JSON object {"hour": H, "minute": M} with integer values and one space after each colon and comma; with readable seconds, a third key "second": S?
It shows {"hour": 6, "minute": 44}
